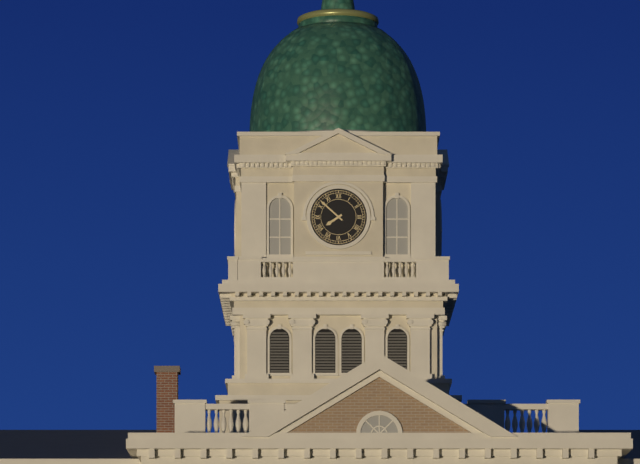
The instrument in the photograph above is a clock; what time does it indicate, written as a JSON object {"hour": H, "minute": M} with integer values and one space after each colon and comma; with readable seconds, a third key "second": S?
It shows {"hour": 7, "minute": 52}
